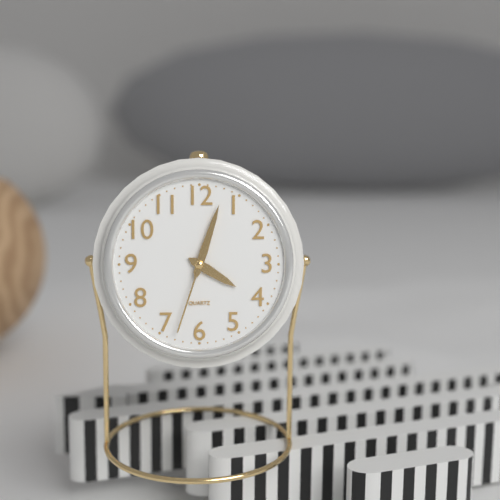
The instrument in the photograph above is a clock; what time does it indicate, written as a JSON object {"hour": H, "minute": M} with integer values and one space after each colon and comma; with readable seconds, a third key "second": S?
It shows {"hour": 4, "minute": 3, "second": 33}
